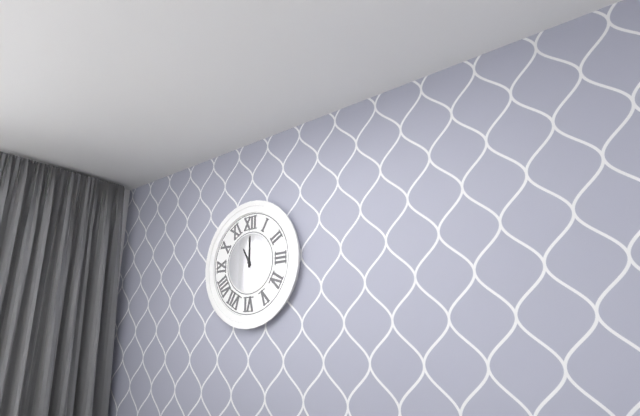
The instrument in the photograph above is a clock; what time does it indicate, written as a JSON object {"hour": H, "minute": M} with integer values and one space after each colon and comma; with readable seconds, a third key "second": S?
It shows {"hour": 11, "minute": 0}
